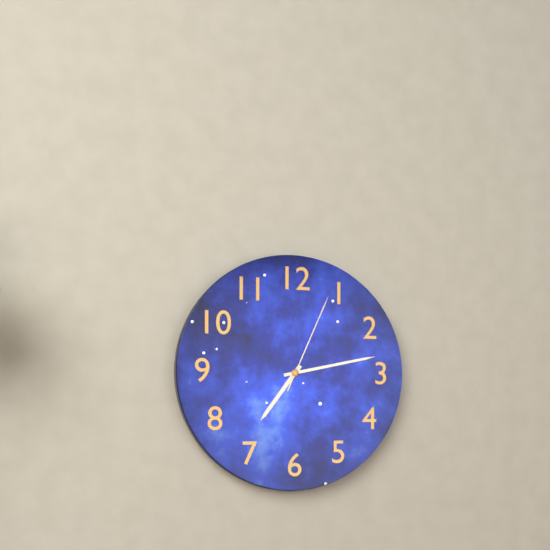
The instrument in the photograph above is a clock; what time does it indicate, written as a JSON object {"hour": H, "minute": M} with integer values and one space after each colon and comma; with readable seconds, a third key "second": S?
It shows {"hour": 7, "minute": 13, "second": 4}
